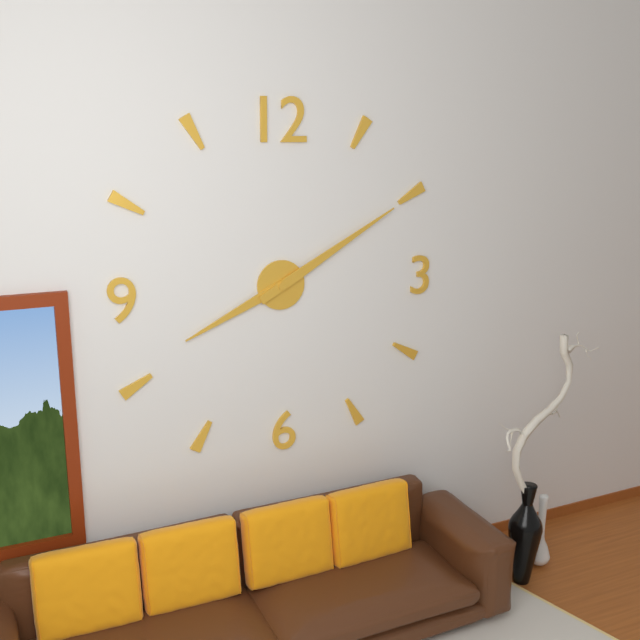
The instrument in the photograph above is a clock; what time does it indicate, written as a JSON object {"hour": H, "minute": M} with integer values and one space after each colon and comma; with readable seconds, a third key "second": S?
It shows {"hour": 8, "minute": 10}
